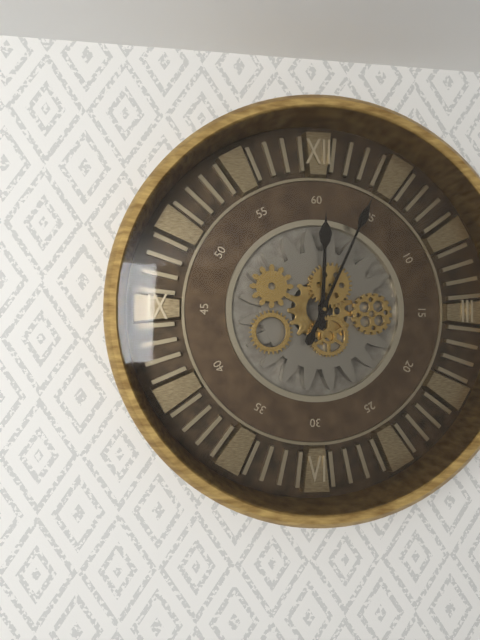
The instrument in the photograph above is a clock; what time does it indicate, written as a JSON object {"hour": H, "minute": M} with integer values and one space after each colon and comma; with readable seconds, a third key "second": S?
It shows {"hour": 12, "minute": 4}
